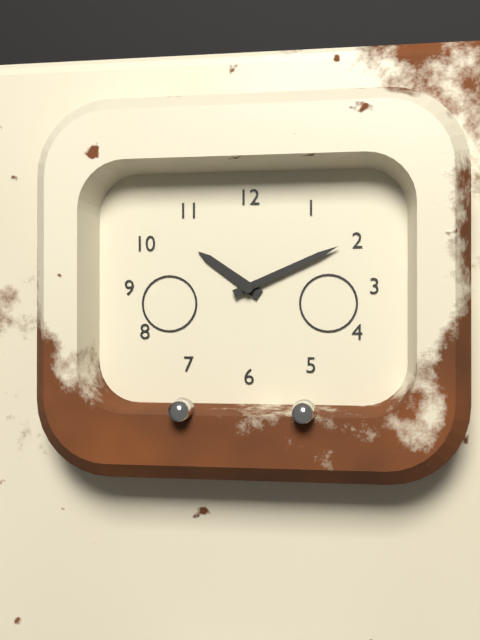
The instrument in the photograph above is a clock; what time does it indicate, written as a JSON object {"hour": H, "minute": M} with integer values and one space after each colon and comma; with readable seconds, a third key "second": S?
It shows {"hour": 10, "minute": 11}
